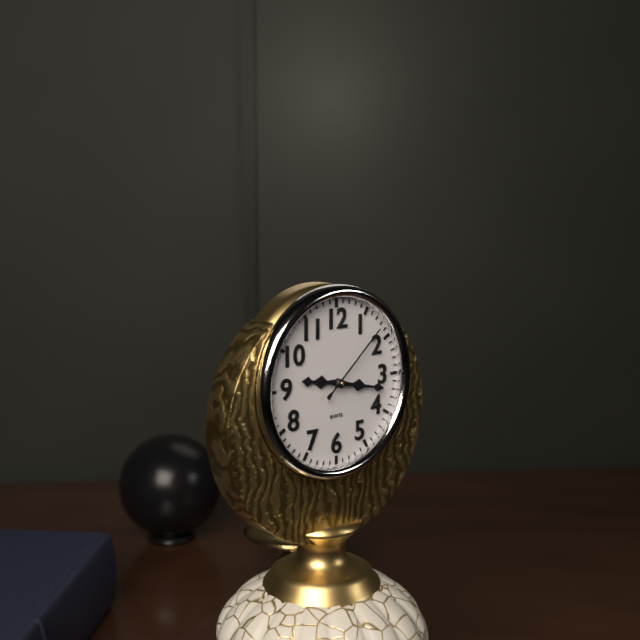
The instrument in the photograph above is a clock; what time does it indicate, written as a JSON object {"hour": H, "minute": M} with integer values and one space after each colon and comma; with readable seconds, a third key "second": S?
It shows {"hour": 9, "minute": 17, "second": 8}
